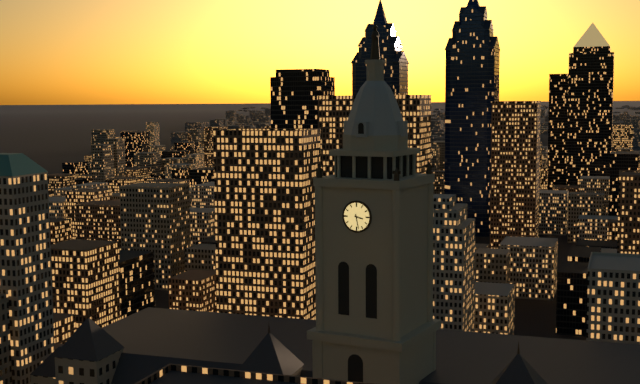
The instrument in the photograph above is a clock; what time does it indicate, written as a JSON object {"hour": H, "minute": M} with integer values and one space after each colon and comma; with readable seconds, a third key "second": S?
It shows {"hour": 3, "minute": 28}
